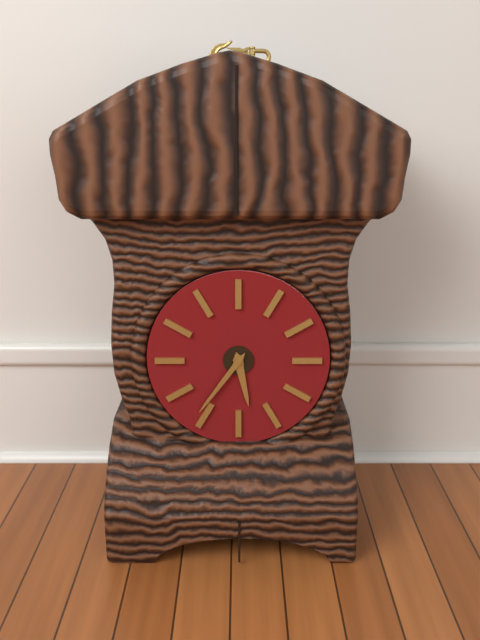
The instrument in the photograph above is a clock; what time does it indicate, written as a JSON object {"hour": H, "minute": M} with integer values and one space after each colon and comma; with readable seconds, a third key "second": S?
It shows {"hour": 5, "minute": 36}
